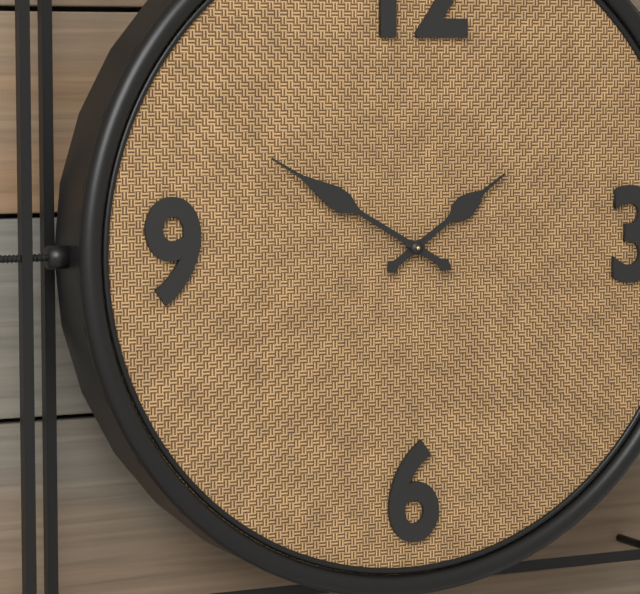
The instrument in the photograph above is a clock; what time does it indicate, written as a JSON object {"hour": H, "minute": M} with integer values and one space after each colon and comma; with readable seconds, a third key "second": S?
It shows {"hour": 1, "minute": 50}
